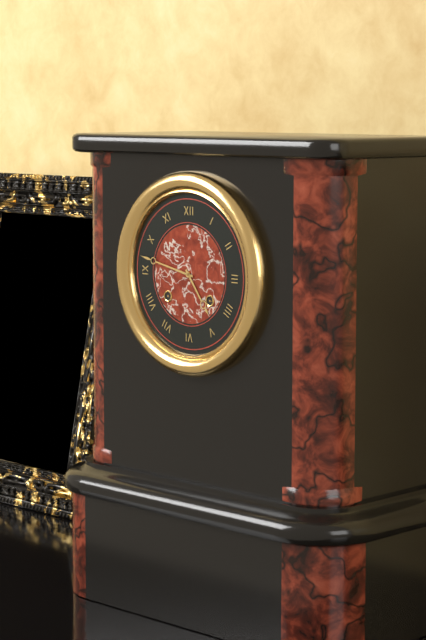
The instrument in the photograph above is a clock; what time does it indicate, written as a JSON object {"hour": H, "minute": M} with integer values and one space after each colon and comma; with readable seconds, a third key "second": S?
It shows {"hour": 4, "minute": 47}
